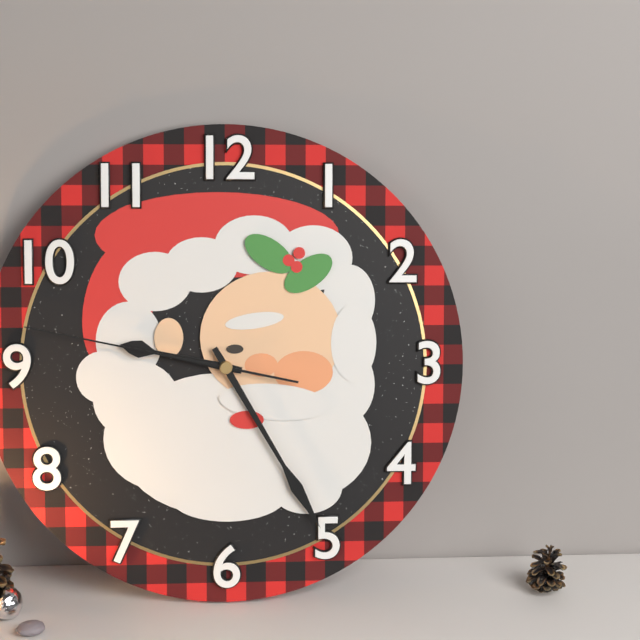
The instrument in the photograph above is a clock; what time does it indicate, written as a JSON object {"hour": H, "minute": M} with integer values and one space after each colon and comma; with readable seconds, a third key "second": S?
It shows {"hour": 9, "minute": 25, "second": 47}
